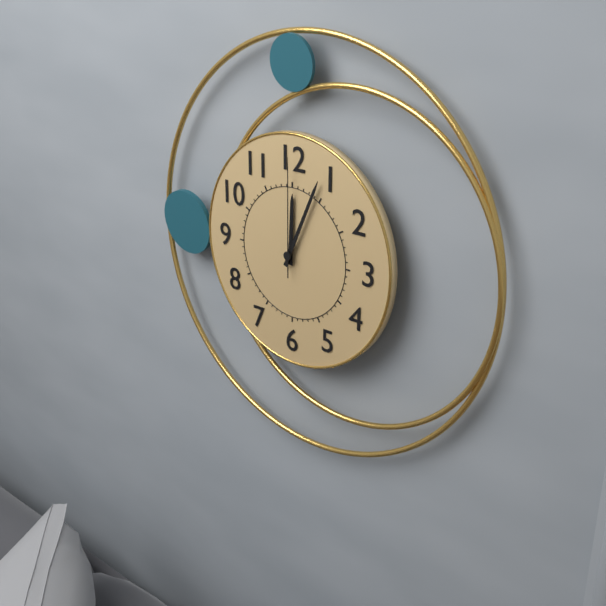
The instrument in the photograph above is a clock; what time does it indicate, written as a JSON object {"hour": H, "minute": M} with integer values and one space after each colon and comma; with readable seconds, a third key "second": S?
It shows {"hour": 12, "minute": 4, "second": 0}
